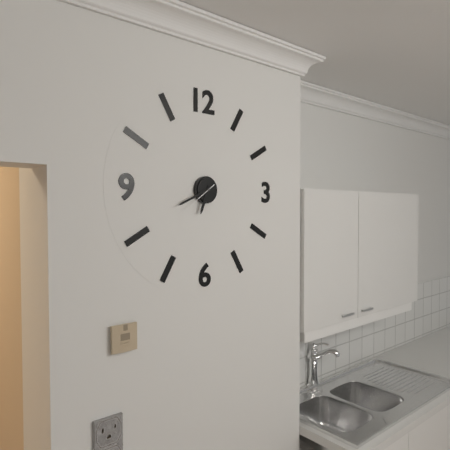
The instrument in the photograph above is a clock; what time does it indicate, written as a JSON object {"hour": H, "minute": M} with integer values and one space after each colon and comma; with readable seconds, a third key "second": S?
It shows {"hour": 6, "minute": 41}
